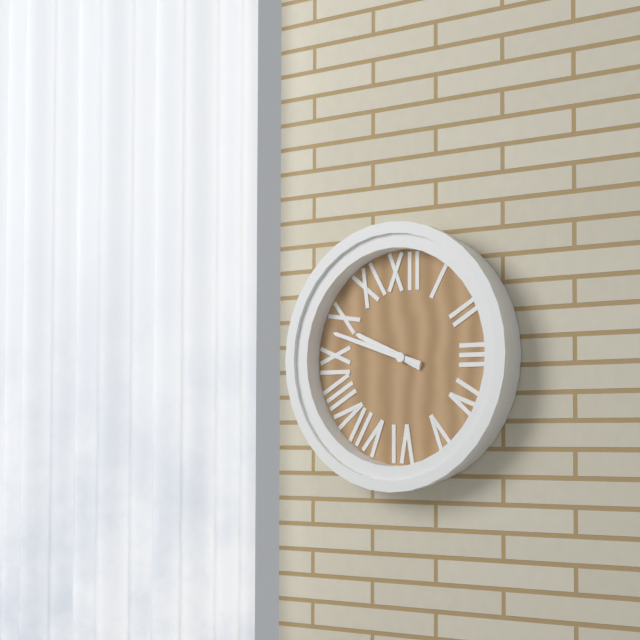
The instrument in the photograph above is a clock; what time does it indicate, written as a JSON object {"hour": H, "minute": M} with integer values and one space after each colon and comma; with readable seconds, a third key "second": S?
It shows {"hour": 9, "minute": 48}
